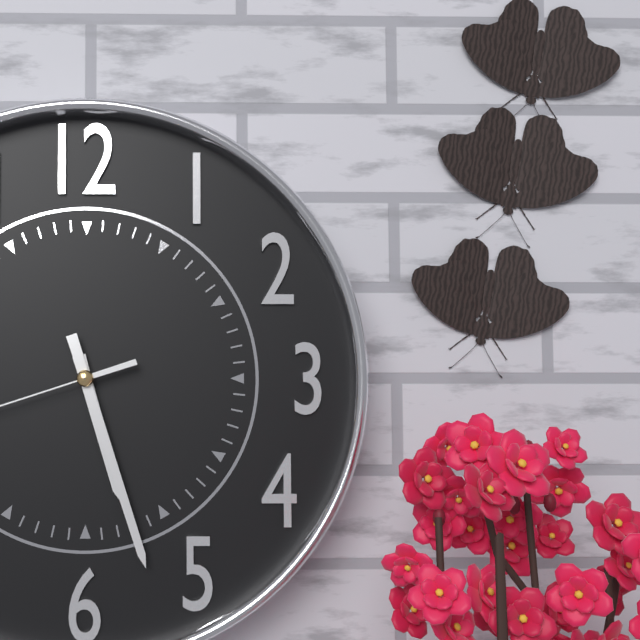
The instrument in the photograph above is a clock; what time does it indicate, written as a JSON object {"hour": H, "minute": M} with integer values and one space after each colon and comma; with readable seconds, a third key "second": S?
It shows {"hour": 5, "minute": 27}
